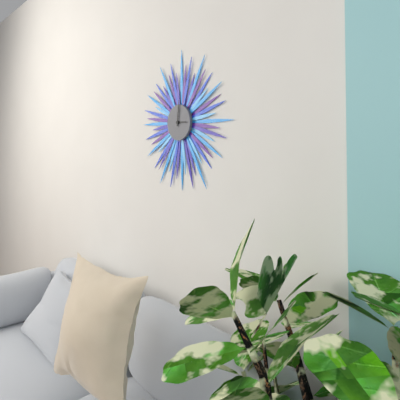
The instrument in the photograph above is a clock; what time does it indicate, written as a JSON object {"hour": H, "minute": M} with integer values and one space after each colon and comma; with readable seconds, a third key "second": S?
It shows {"hour": 3, "minute": 1}
